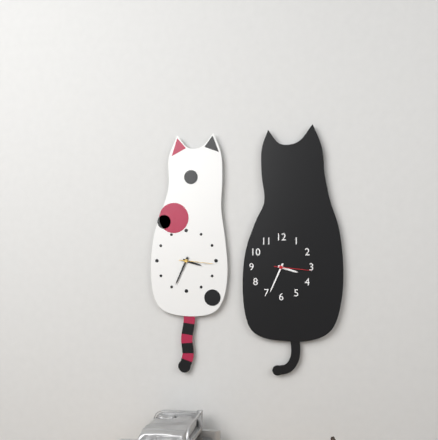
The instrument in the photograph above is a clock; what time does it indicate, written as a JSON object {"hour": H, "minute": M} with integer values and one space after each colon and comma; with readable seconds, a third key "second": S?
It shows {"hour": 3, "minute": 34}
